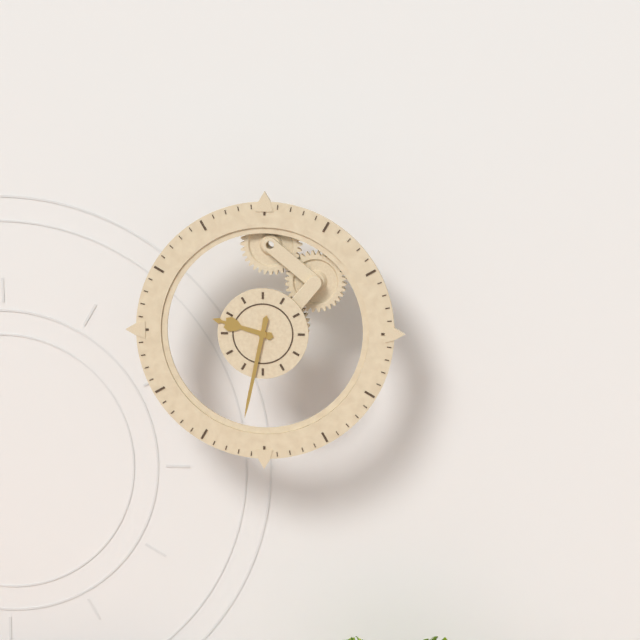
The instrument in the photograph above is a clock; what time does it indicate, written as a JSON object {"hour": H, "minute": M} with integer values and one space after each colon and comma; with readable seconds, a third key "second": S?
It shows {"hour": 9, "minute": 32}
